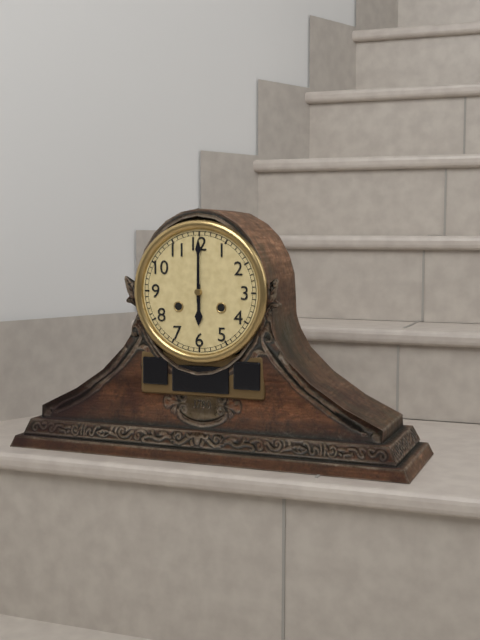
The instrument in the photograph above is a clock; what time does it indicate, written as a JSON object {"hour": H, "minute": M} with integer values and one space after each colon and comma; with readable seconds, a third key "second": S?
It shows {"hour": 6, "minute": 0}
